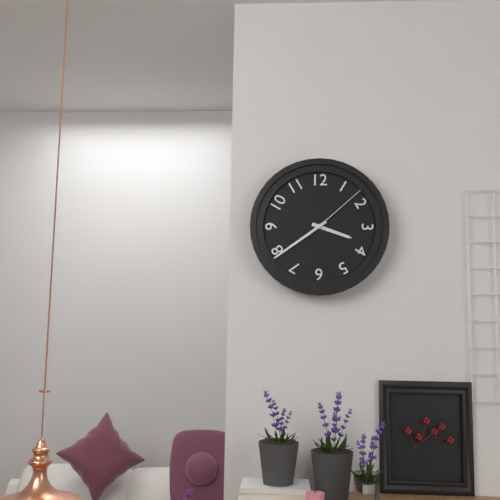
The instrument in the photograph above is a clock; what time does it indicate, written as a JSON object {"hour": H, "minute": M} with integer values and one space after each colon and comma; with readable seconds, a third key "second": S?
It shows {"hour": 3, "minute": 39, "second": 8}
